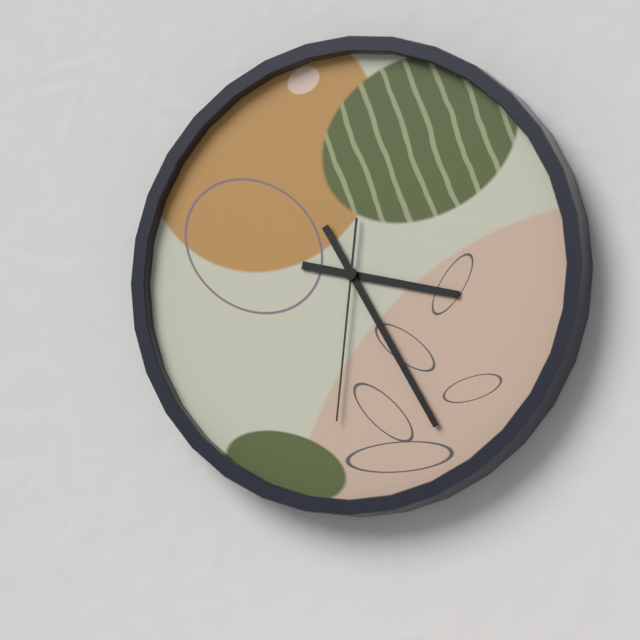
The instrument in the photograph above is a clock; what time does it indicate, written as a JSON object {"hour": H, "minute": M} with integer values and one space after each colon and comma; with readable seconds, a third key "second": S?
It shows {"hour": 3, "minute": 25, "second": 31}
